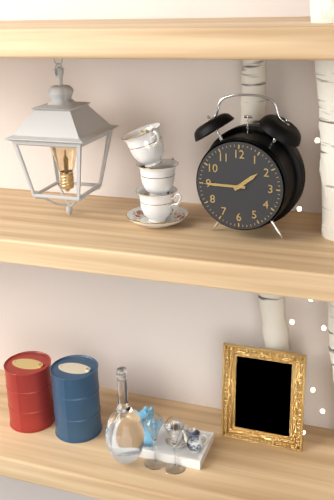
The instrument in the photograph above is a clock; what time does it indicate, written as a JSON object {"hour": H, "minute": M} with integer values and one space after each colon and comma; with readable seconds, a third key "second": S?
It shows {"hour": 1, "minute": 45}
